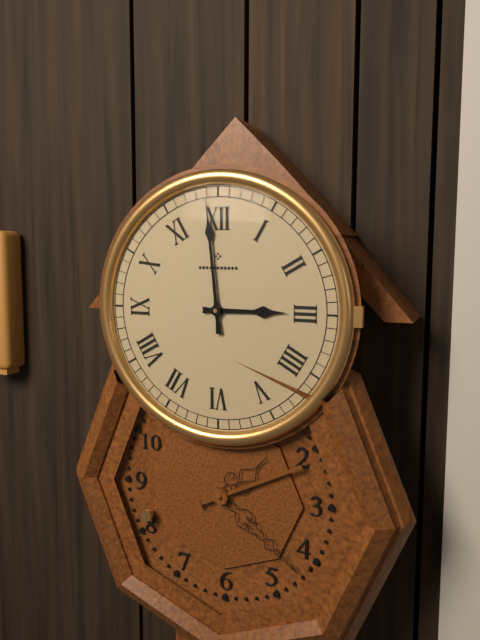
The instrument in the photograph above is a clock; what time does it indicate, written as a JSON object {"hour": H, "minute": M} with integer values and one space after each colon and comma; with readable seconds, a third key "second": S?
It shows {"hour": 2, "minute": 59}
